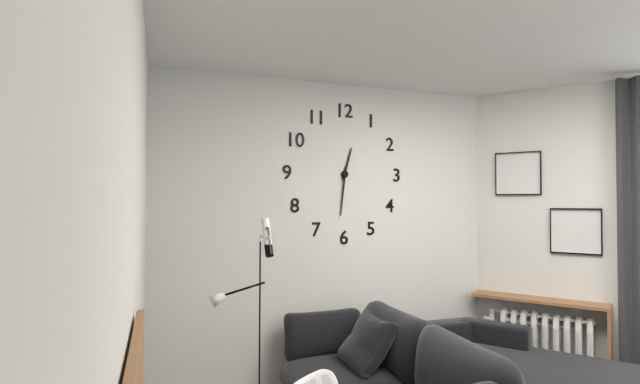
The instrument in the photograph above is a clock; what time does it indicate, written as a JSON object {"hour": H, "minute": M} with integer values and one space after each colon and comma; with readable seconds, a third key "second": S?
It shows {"hour": 12, "minute": 31}
